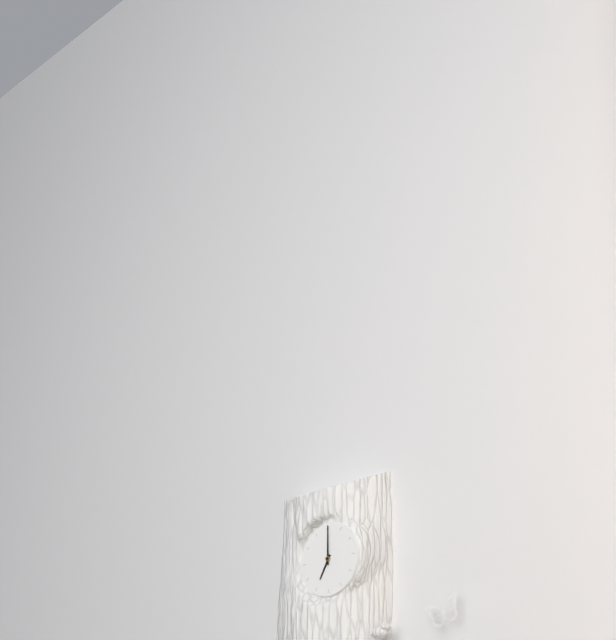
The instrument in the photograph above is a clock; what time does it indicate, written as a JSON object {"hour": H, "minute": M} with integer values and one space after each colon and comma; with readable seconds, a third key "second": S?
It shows {"hour": 7, "minute": 0}
